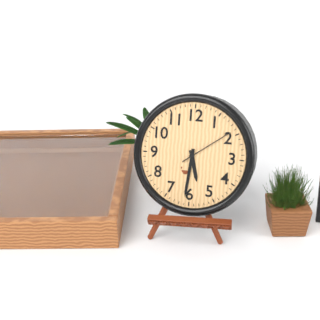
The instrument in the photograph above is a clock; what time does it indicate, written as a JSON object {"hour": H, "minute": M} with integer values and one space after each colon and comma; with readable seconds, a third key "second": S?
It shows {"hour": 5, "minute": 31, "second": 9}
